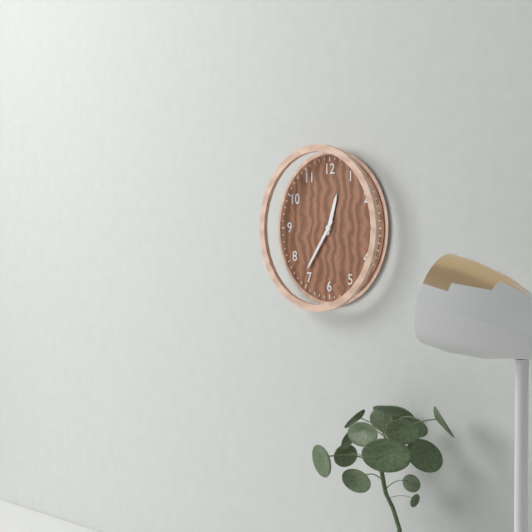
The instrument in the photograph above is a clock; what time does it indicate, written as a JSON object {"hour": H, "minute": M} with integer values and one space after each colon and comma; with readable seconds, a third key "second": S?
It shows {"hour": 12, "minute": 36}
